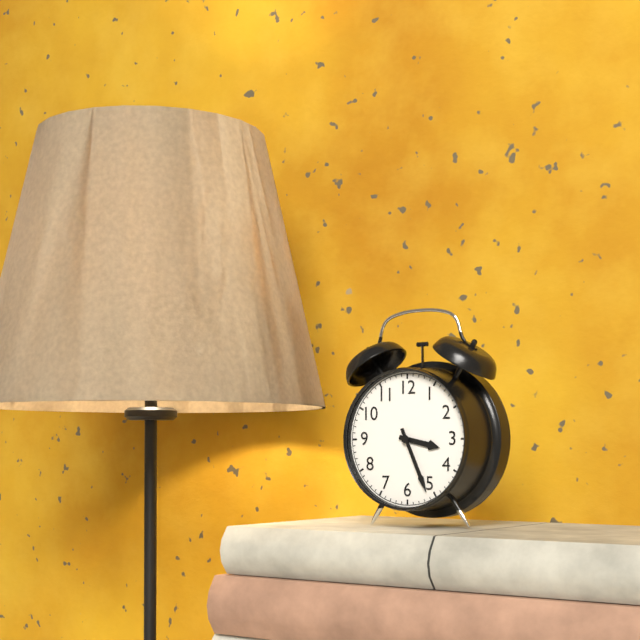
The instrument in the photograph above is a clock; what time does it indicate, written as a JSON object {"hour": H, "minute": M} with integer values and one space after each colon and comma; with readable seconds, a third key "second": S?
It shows {"hour": 3, "minute": 26}
